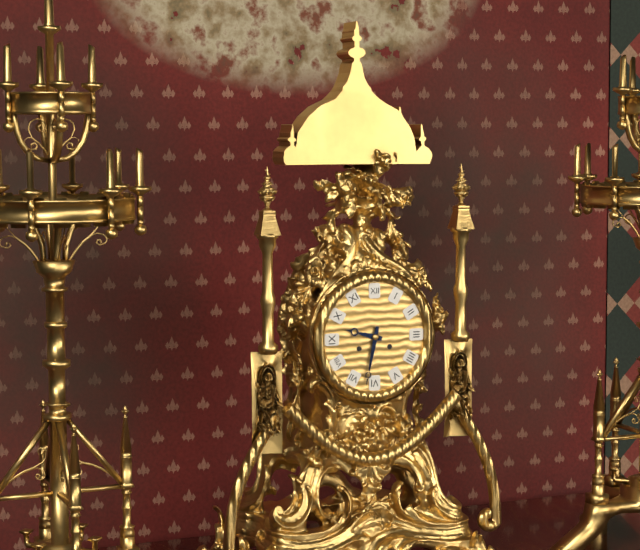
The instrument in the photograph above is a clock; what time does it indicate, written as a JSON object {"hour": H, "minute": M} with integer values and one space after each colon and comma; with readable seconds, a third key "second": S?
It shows {"hour": 9, "minute": 32}
